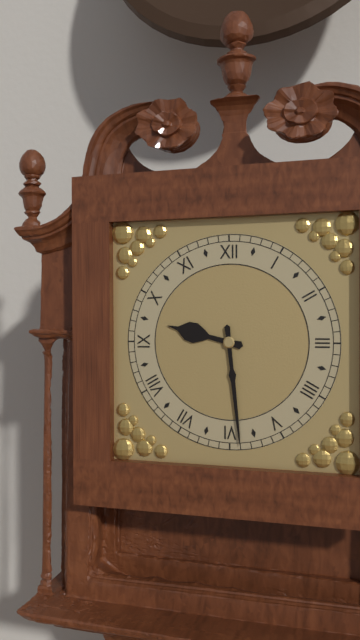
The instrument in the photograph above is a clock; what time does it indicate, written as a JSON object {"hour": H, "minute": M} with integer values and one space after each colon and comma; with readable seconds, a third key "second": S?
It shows {"hour": 9, "minute": 29}
